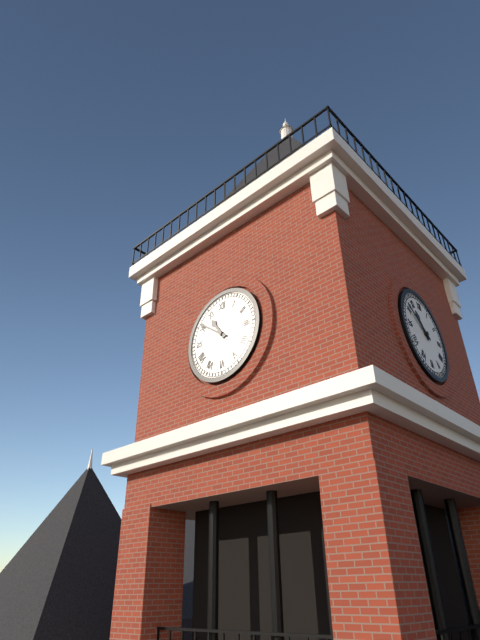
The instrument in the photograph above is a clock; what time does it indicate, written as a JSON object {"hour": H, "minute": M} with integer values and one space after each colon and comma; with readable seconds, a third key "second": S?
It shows {"hour": 10, "minute": 51}
